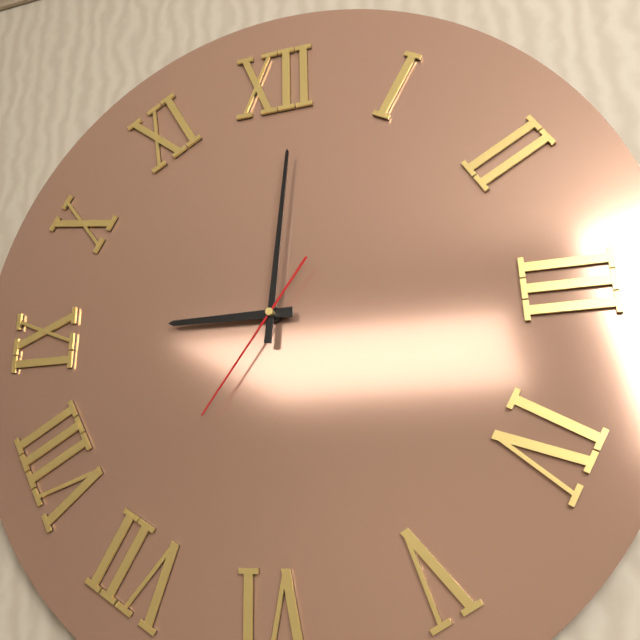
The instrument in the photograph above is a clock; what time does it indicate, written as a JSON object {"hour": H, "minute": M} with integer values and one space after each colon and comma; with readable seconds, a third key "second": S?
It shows {"hour": 9, "minute": 1, "second": 36}
